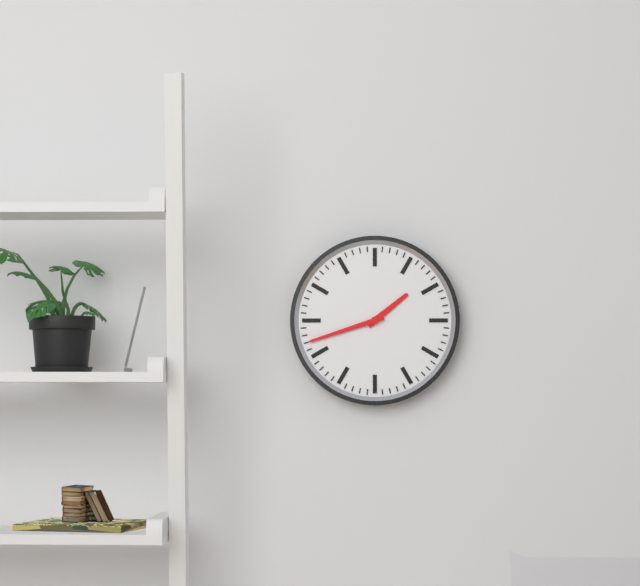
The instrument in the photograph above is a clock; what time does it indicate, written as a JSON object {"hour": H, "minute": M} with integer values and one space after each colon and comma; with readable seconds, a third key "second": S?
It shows {"hour": 1, "minute": 42}
